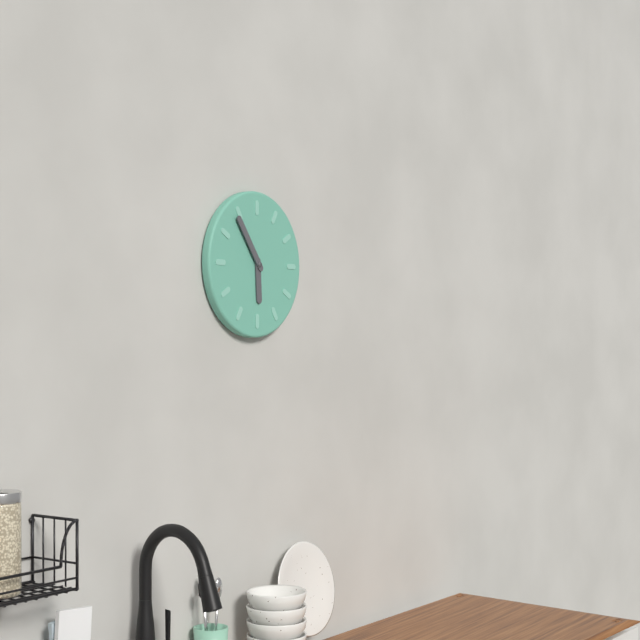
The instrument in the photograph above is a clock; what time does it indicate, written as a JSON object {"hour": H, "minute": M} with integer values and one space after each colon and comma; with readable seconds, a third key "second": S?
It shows {"hour": 5, "minute": 54}
